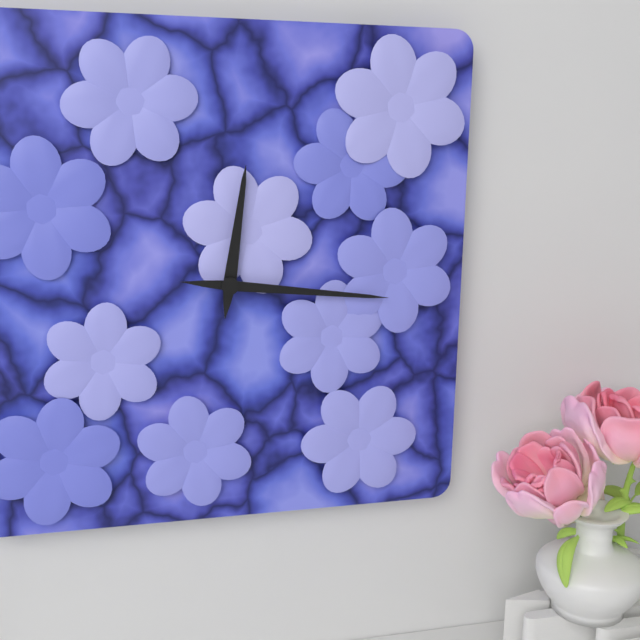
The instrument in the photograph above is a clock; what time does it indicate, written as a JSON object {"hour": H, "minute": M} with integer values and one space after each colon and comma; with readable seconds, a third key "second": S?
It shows {"hour": 12, "minute": 16}
